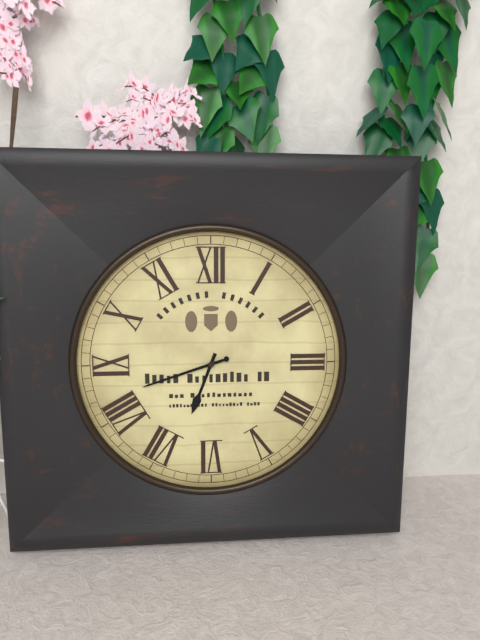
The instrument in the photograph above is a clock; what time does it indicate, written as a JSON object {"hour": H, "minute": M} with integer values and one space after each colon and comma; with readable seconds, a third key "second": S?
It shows {"hour": 6, "minute": 42}
